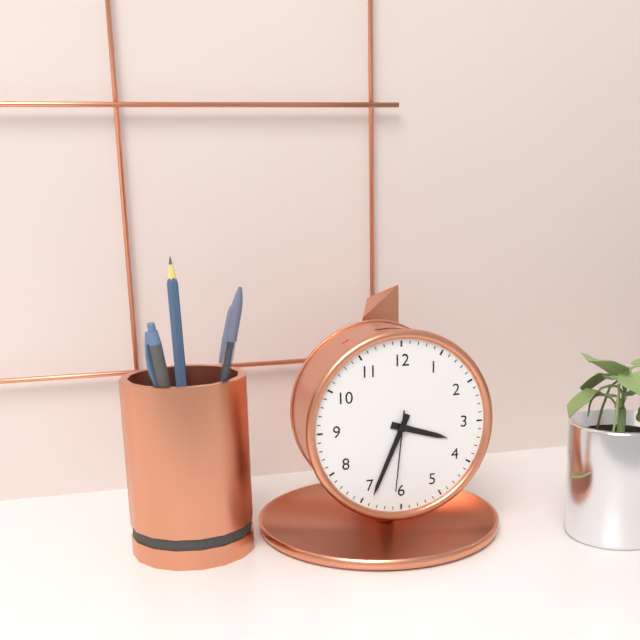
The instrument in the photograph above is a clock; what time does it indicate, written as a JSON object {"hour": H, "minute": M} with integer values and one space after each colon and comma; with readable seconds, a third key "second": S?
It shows {"hour": 3, "minute": 34, "second": 31}
